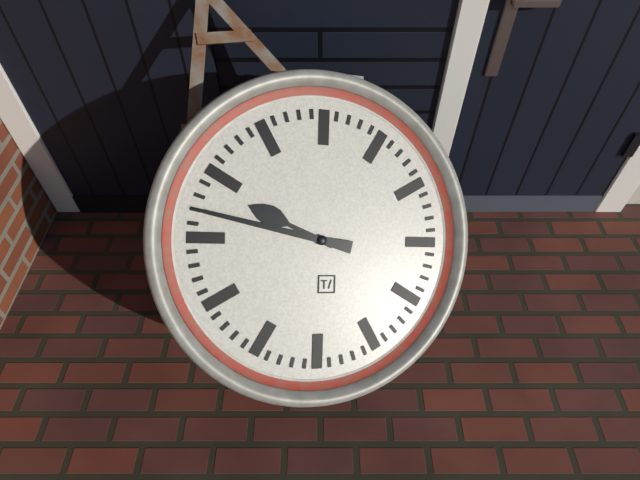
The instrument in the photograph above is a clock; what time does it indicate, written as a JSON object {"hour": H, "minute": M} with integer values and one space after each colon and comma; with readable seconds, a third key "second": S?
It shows {"hour": 9, "minute": 47}
